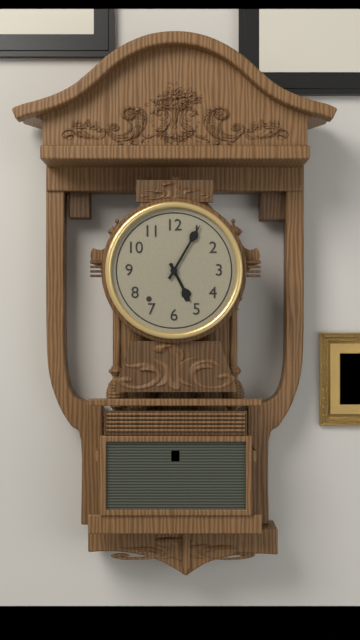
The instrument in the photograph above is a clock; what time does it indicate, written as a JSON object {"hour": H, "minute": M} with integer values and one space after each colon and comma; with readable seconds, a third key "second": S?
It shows {"hour": 5, "minute": 5}
